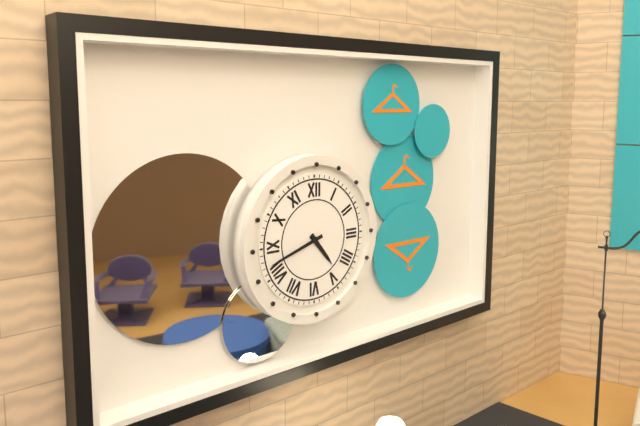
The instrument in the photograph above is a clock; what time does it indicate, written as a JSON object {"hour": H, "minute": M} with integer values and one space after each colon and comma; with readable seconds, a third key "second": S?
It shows {"hour": 4, "minute": 42}
